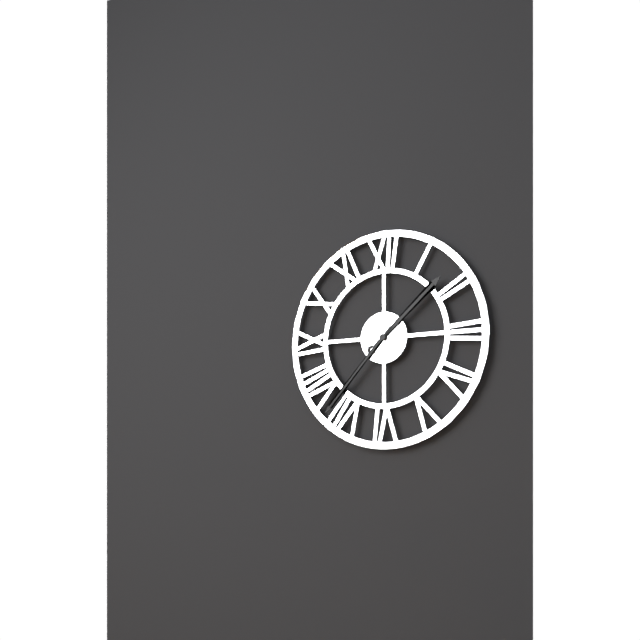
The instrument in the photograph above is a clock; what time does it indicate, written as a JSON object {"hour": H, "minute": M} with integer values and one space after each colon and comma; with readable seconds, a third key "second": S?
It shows {"hour": 1, "minute": 37}
